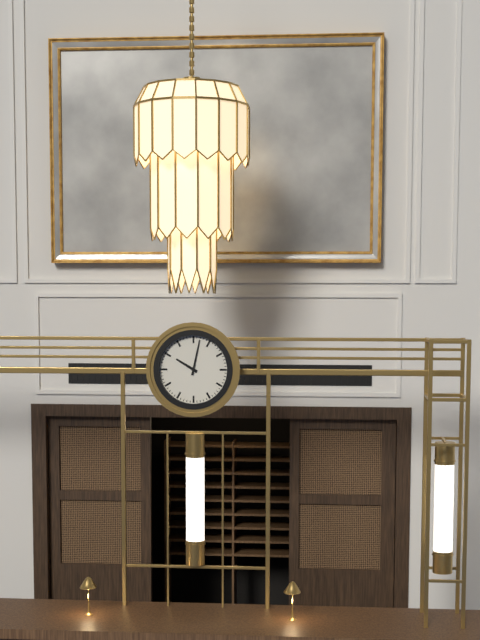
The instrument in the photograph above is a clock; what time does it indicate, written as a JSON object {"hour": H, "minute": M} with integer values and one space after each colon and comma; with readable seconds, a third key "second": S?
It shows {"hour": 10, "minute": 2}
